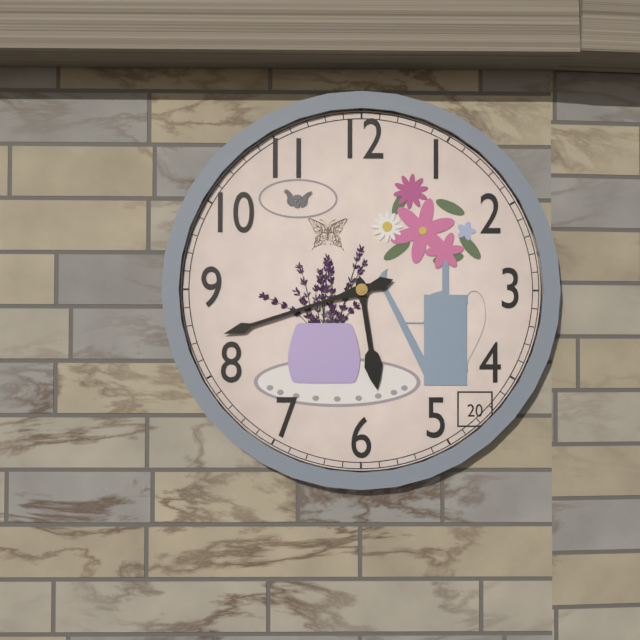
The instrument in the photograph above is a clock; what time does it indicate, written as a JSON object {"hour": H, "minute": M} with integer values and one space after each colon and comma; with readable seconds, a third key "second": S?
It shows {"hour": 5, "minute": 42}
